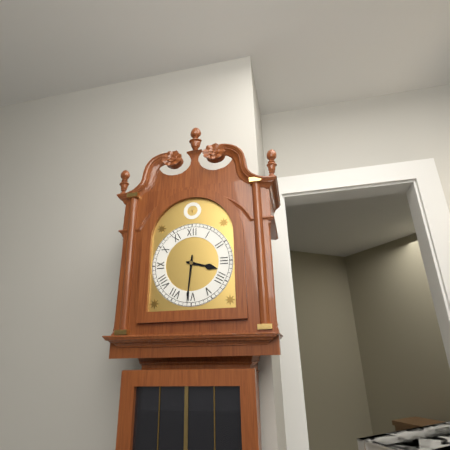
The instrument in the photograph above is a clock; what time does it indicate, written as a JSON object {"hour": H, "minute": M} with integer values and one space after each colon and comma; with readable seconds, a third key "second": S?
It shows {"hour": 3, "minute": 31}
